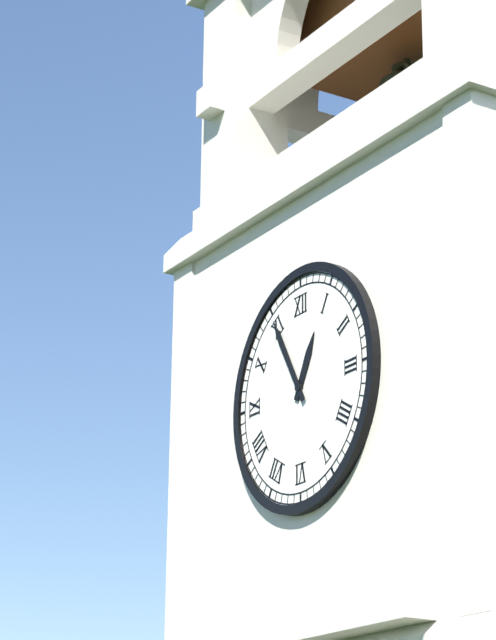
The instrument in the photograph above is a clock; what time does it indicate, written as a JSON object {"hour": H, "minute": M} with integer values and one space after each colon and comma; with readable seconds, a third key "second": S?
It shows {"hour": 12, "minute": 55}
